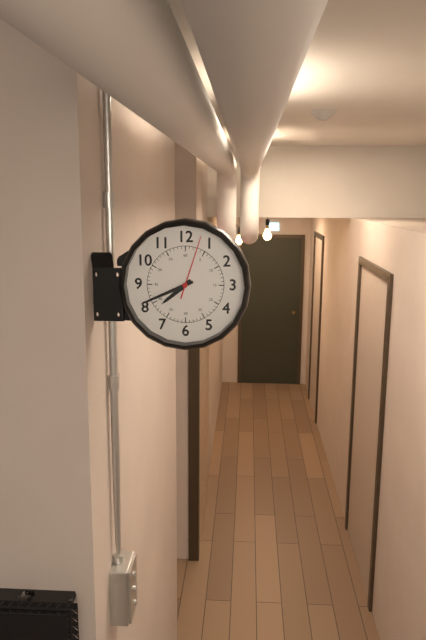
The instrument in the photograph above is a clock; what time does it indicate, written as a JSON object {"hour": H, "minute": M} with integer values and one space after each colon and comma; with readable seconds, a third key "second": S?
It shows {"hour": 7, "minute": 41, "second": 3}
